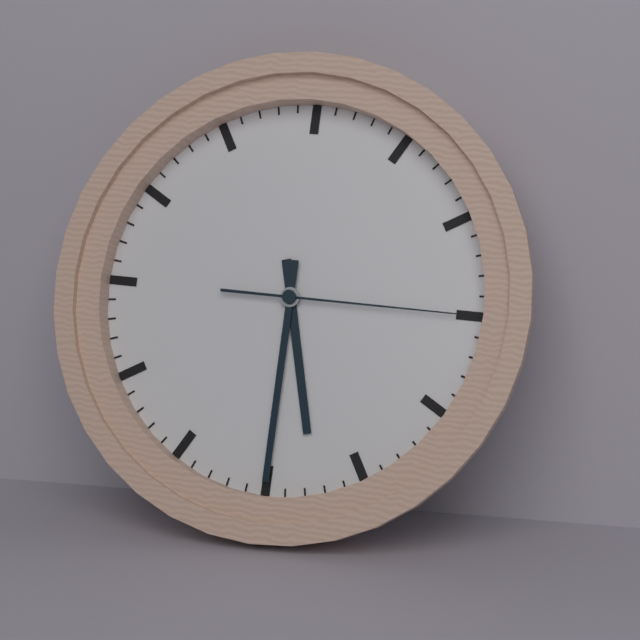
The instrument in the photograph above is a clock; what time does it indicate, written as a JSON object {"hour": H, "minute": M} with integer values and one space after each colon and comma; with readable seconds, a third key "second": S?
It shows {"hour": 5, "minute": 30, "second": 15}
